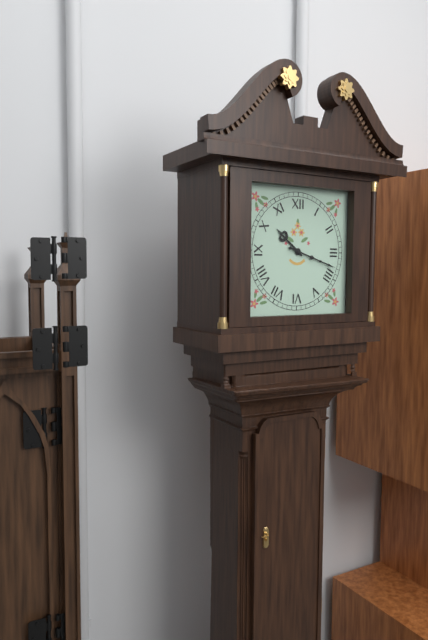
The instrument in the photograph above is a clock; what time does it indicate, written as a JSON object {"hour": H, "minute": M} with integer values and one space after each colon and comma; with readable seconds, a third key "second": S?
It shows {"hour": 10, "minute": 18}
